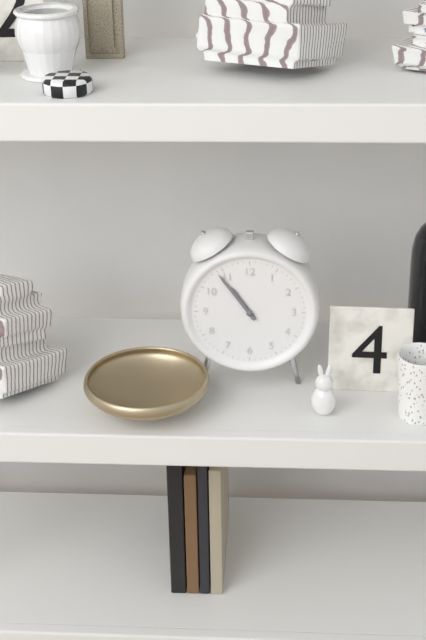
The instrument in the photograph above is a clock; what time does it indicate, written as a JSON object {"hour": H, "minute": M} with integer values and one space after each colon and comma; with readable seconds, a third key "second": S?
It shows {"hour": 10, "minute": 54}
